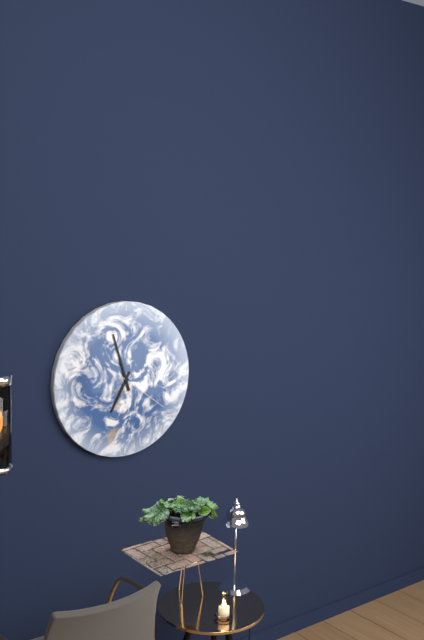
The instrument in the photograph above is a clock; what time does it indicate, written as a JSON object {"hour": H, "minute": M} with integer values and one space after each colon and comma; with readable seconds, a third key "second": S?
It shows {"hour": 6, "minute": 57, "second": 21}
